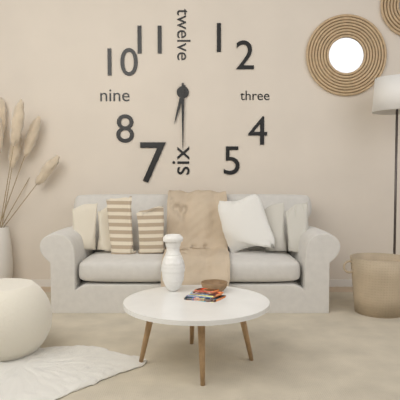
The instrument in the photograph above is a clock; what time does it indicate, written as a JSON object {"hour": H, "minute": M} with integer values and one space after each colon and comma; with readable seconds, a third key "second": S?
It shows {"hour": 6, "minute": 30}
